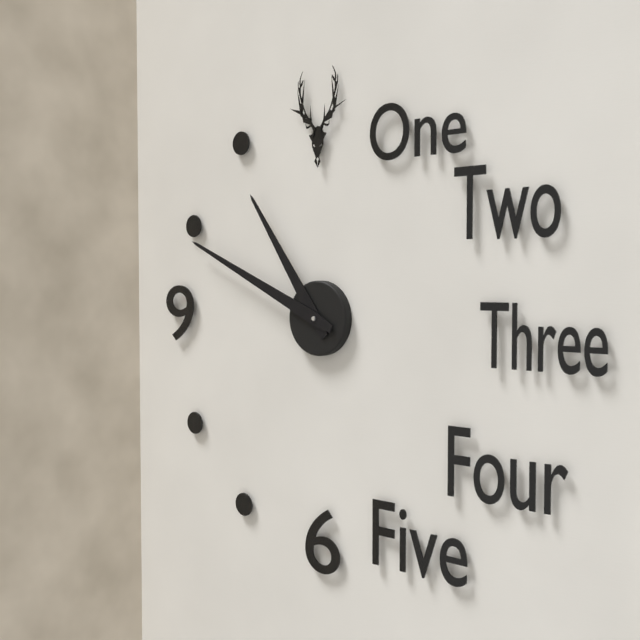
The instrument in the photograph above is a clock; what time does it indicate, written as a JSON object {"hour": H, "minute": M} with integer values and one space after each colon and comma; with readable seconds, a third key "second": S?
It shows {"hour": 10, "minute": 49}
